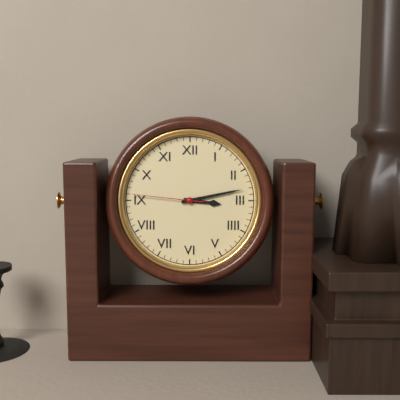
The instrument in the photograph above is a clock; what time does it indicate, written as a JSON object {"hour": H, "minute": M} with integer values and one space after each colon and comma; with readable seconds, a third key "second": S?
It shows {"hour": 3, "minute": 13, "second": 46}
